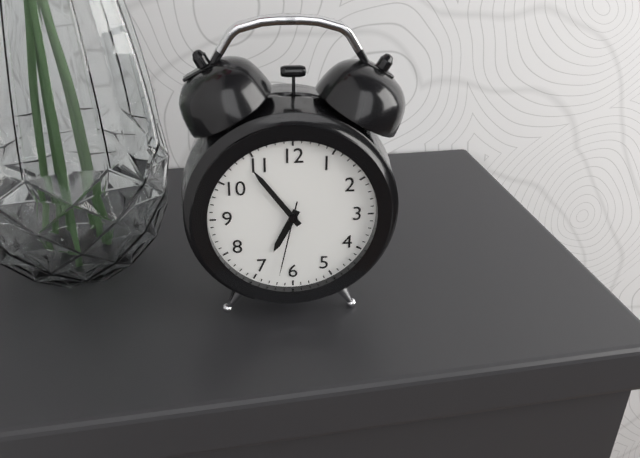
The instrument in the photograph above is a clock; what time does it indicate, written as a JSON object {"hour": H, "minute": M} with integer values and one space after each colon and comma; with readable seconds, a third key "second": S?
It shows {"hour": 6, "minute": 54, "second": 32}
